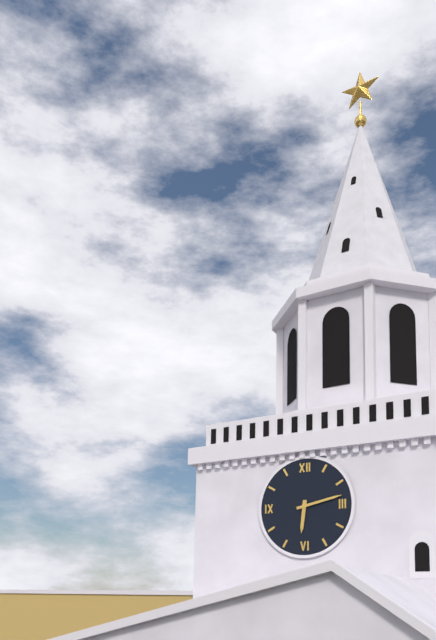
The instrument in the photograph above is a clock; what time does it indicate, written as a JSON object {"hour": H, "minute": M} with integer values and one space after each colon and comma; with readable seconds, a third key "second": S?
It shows {"hour": 6, "minute": 13}
